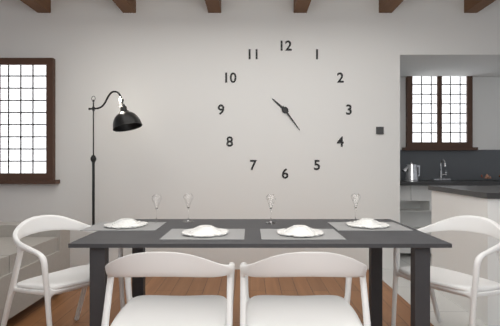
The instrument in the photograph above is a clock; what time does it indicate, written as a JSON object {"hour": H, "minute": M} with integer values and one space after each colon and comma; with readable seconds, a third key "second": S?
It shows {"hour": 10, "minute": 24}
